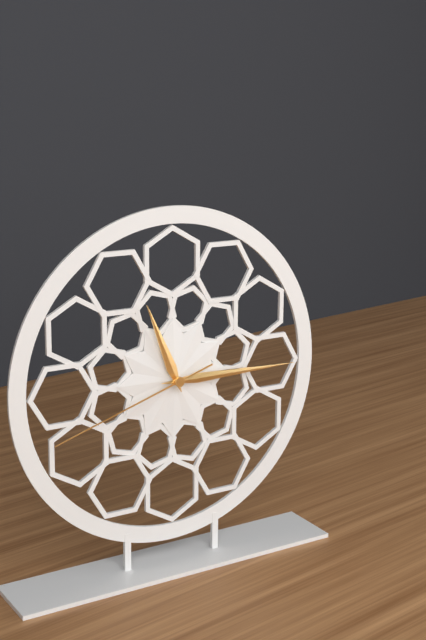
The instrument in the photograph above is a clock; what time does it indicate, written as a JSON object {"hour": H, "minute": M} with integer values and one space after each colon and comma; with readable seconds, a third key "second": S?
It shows {"hour": 11, "minute": 15, "second": 42}
